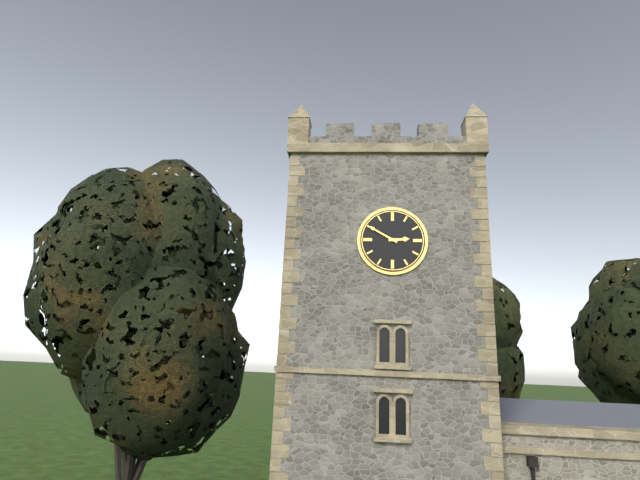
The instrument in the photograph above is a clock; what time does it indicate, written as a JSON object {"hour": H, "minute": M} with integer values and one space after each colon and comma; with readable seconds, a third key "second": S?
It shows {"hour": 2, "minute": 50}
